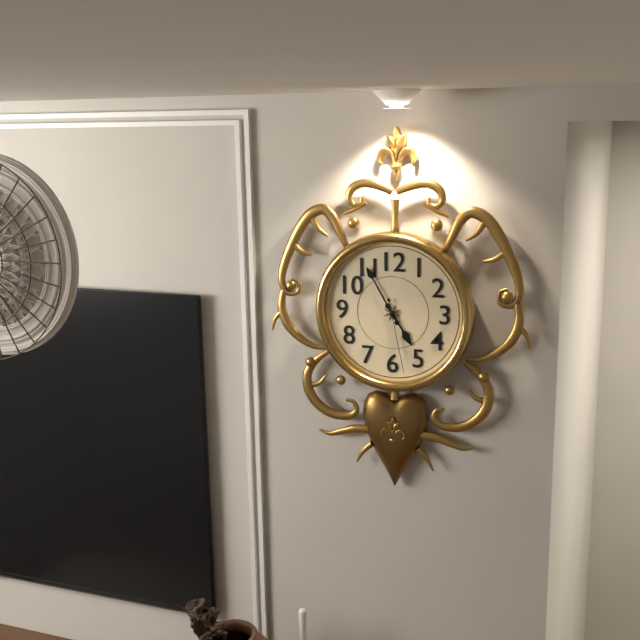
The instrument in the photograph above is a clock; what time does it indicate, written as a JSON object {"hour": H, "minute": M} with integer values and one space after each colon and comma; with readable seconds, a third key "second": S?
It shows {"hour": 4, "minute": 55, "second": 28}
